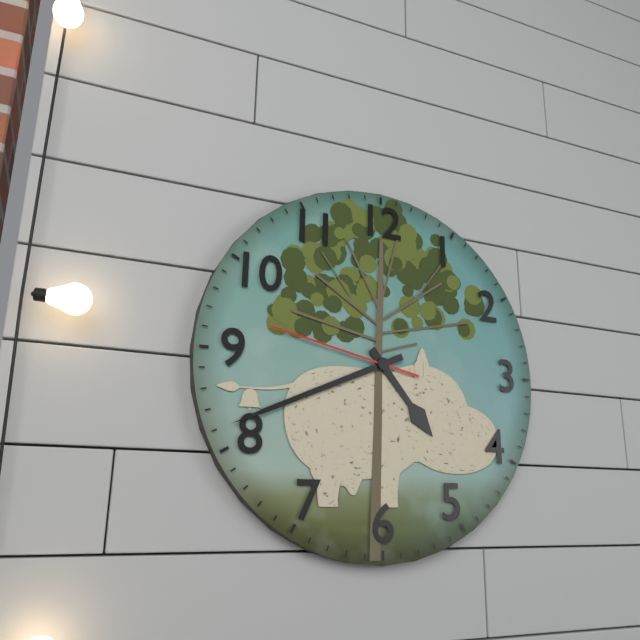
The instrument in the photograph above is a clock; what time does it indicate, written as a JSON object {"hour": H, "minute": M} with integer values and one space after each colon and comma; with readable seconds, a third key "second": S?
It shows {"hour": 4, "minute": 41, "second": 47}
